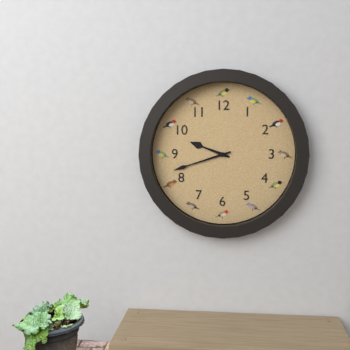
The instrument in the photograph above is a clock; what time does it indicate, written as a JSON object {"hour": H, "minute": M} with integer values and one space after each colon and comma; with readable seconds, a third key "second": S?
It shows {"hour": 9, "minute": 42}
